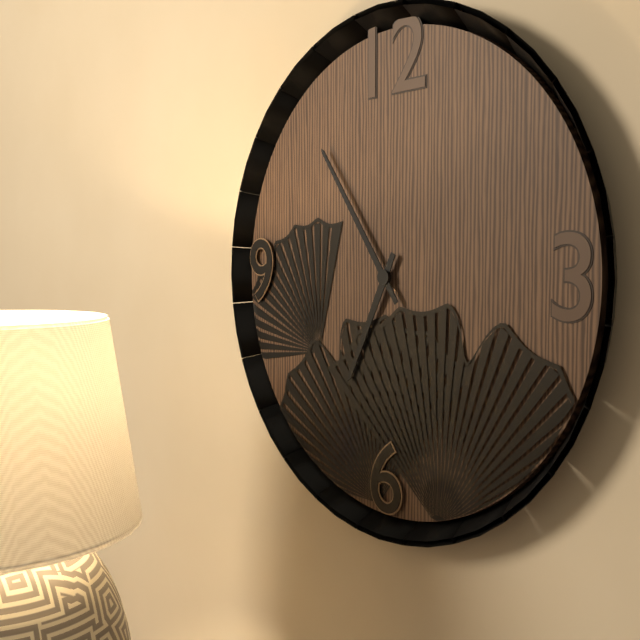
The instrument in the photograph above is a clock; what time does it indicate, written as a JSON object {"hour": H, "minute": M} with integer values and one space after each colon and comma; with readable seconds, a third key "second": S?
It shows {"hour": 6, "minute": 54}
